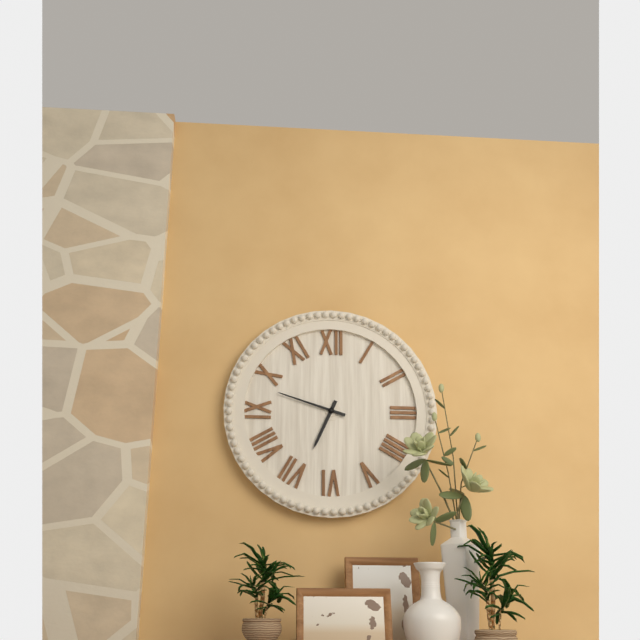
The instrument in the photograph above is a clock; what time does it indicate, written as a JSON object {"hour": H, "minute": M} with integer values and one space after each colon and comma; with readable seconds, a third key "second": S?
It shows {"hour": 6, "minute": 48}
